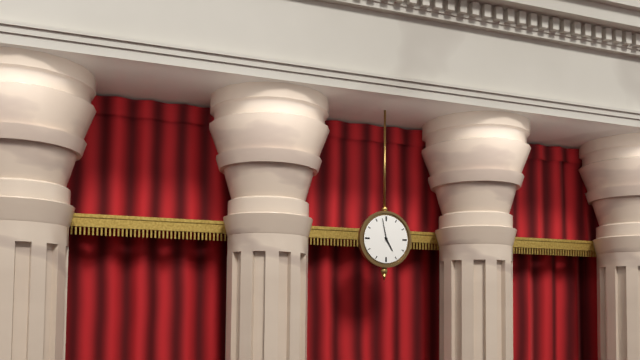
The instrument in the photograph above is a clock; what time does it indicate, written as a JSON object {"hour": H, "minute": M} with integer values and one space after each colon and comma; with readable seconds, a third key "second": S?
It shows {"hour": 4, "minute": 58}
